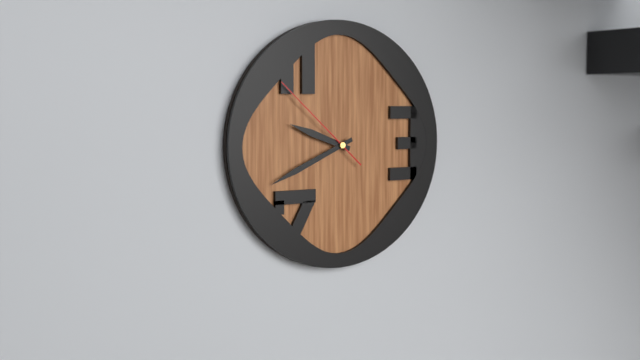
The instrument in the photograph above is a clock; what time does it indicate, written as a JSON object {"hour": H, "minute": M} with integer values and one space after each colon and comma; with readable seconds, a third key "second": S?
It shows {"hour": 9, "minute": 41, "second": 52}
